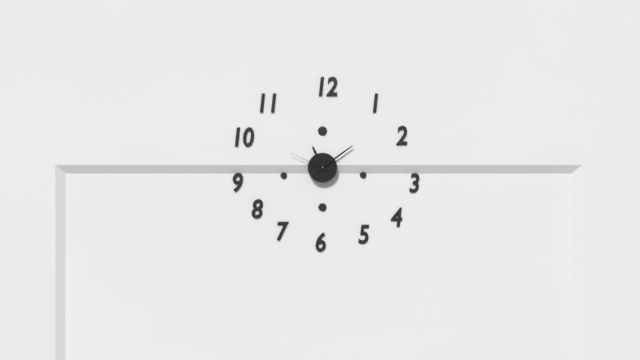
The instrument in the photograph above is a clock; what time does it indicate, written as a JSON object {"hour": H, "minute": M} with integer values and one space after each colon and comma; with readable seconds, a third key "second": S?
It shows {"hour": 11, "minute": 9}
